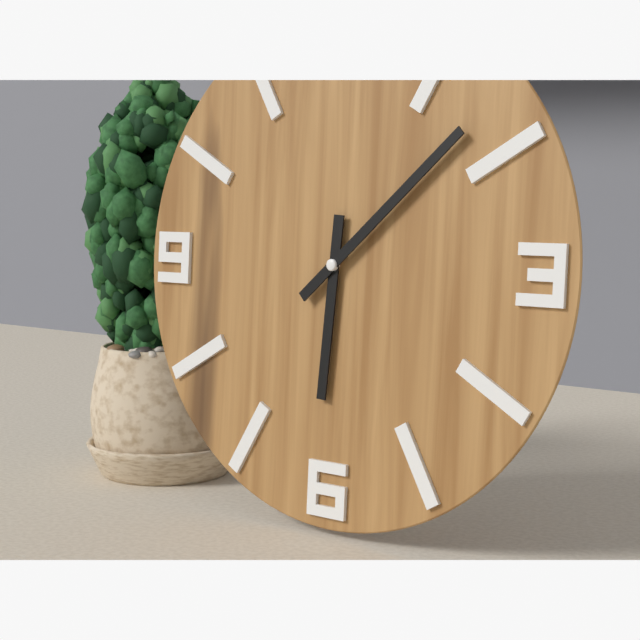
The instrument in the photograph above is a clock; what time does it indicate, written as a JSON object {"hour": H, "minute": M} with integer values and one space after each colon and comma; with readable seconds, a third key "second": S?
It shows {"hour": 6, "minute": 8}
